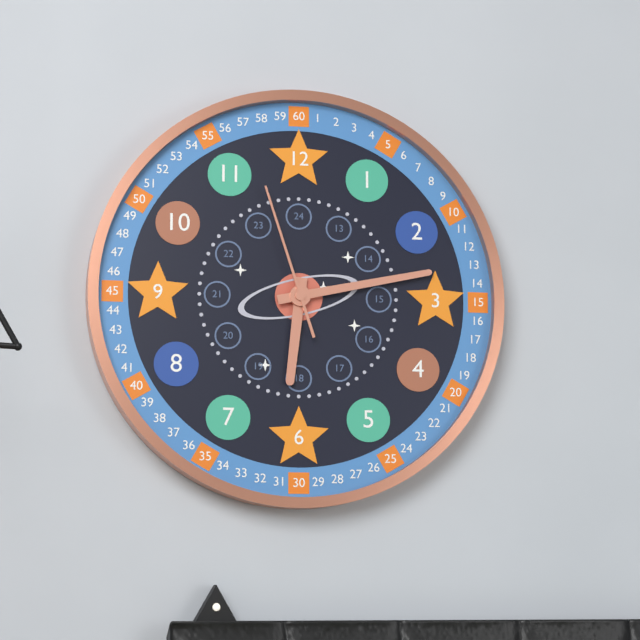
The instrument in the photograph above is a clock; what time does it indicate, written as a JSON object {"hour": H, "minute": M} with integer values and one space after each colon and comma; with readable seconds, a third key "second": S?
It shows {"hour": 6, "minute": 13, "second": 57}
